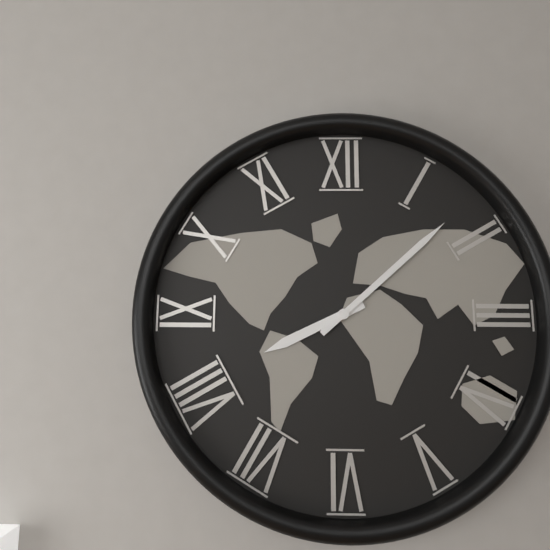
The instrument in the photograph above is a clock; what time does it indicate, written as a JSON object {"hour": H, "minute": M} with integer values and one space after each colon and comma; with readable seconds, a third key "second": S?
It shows {"hour": 8, "minute": 8}
